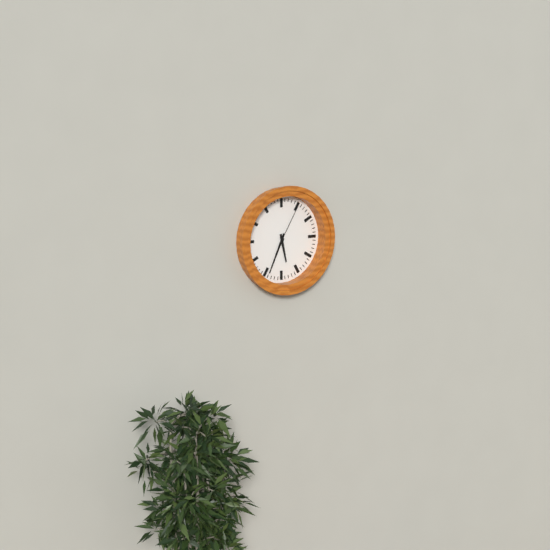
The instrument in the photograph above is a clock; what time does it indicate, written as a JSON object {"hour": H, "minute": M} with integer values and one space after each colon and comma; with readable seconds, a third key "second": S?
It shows {"hour": 5, "minute": 34}
